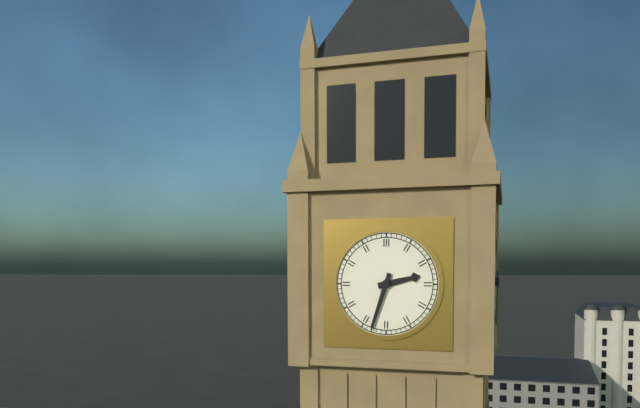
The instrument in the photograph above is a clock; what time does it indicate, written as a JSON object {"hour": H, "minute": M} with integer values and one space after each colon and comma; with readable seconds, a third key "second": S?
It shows {"hour": 2, "minute": 33}
